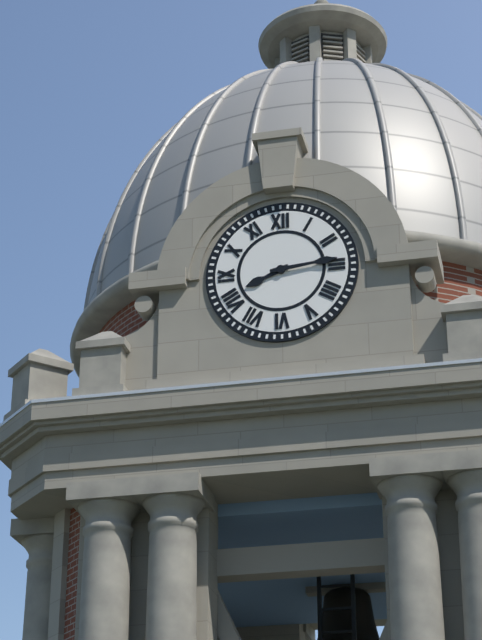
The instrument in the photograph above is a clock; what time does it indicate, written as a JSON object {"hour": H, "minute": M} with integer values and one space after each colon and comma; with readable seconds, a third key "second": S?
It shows {"hour": 8, "minute": 14}
